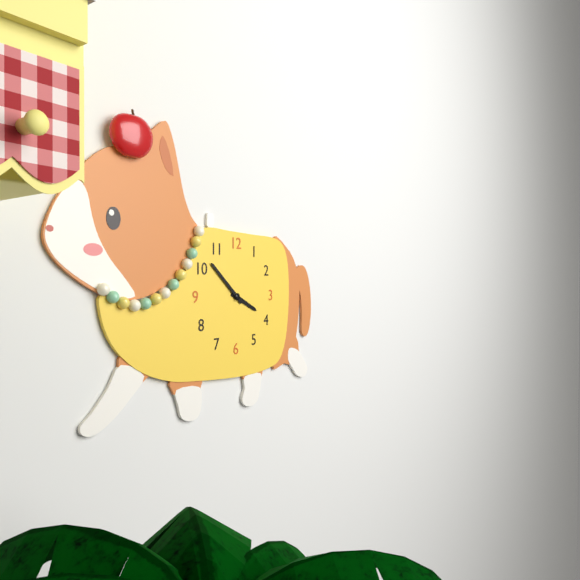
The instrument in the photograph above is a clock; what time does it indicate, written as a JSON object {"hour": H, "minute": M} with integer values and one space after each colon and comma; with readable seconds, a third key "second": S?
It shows {"hour": 3, "minute": 52}
